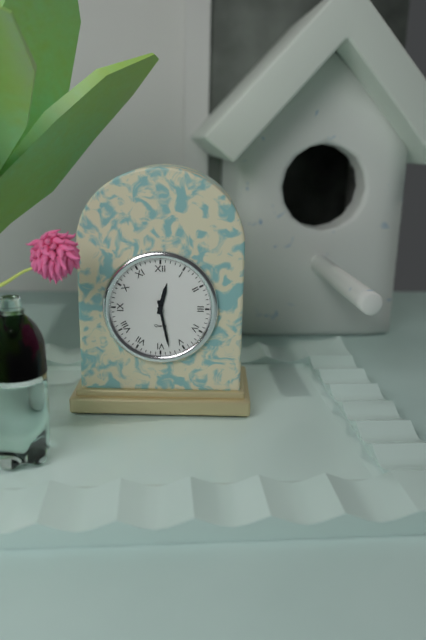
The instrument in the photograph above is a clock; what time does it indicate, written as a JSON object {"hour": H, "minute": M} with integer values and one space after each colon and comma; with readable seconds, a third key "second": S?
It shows {"hour": 12, "minute": 28}
